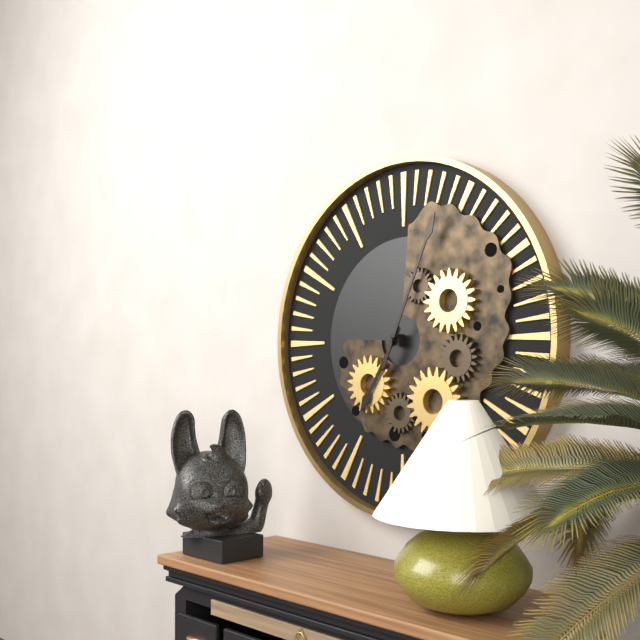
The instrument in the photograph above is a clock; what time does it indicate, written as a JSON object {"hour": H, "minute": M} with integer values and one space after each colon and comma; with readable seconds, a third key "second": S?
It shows {"hour": 7, "minute": 4}
